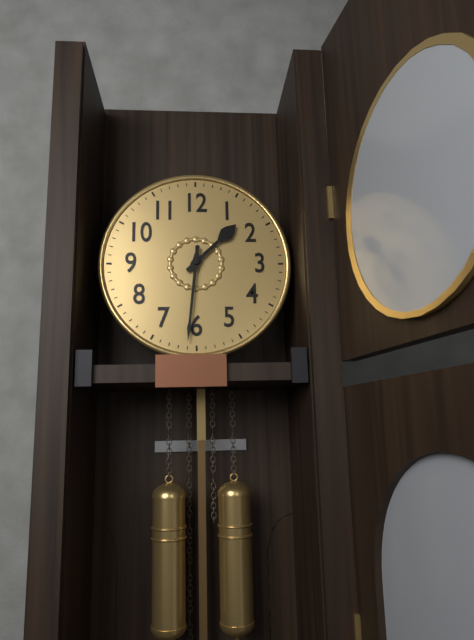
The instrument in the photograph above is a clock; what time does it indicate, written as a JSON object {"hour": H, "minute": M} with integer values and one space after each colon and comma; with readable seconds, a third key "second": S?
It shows {"hour": 1, "minute": 31}
